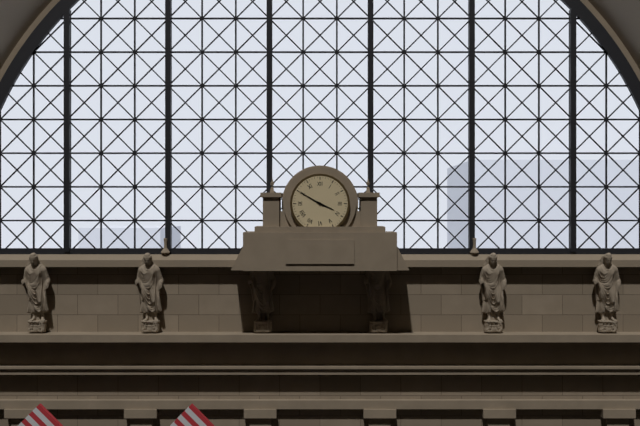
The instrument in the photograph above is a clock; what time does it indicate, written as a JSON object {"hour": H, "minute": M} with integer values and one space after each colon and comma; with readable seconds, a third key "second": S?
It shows {"hour": 3, "minute": 50}
